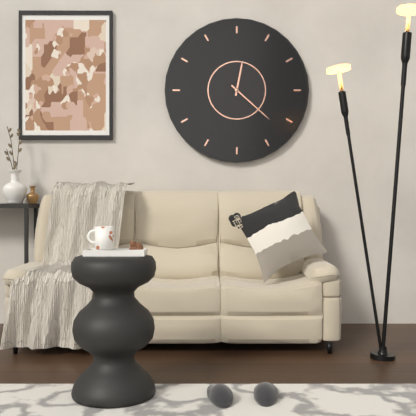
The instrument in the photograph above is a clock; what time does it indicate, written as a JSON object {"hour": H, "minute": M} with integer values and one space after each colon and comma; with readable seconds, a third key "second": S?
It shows {"hour": 12, "minute": 22}
